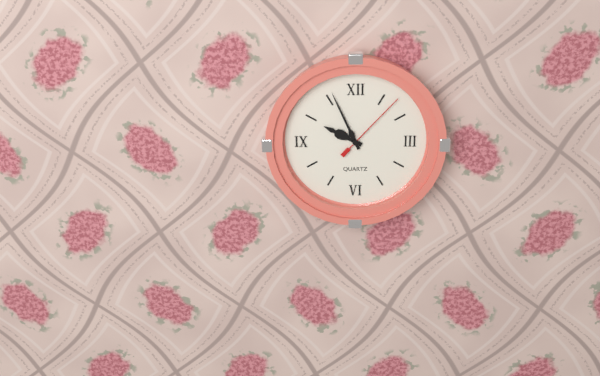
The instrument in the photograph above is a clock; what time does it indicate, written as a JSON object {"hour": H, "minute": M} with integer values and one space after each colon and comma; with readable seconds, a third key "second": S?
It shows {"hour": 9, "minute": 56, "second": 7}
